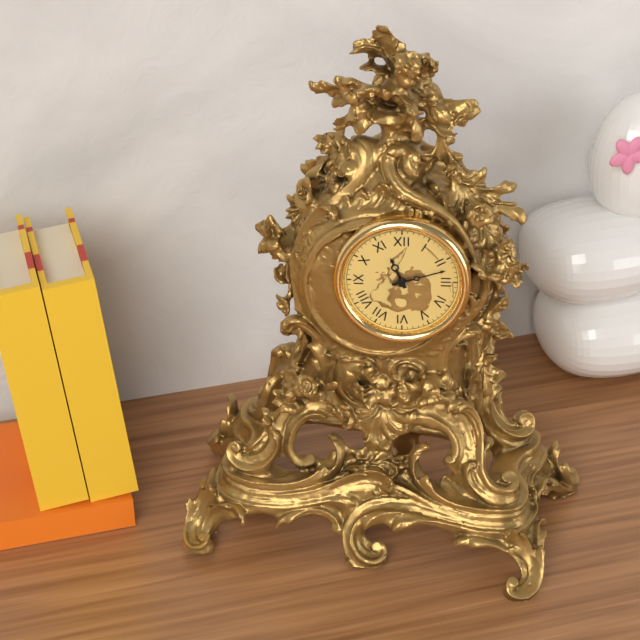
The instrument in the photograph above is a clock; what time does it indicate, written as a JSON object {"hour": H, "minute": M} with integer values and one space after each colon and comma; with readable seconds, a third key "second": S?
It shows {"hour": 11, "minute": 12}
